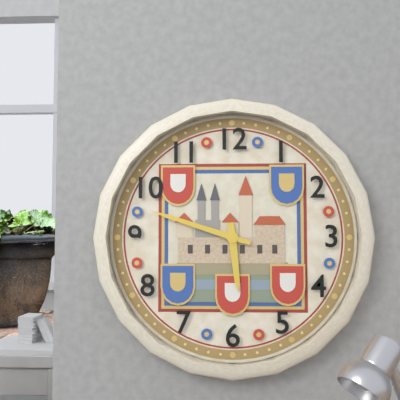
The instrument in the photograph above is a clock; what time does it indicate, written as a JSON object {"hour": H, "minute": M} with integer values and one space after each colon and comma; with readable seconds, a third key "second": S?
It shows {"hour": 5, "minute": 48}
